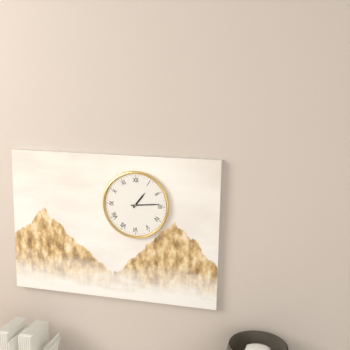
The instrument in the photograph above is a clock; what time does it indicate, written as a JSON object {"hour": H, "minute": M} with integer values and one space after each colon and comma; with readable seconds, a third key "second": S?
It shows {"hour": 1, "minute": 14}
